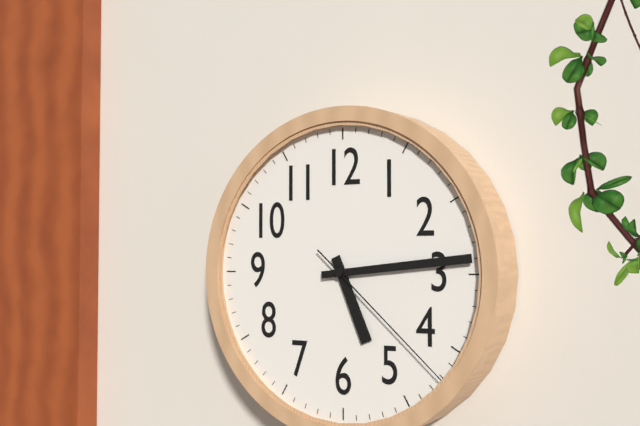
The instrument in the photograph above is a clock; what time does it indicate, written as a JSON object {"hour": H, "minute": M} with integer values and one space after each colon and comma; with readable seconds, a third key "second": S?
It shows {"hour": 5, "minute": 14, "second": 22}
